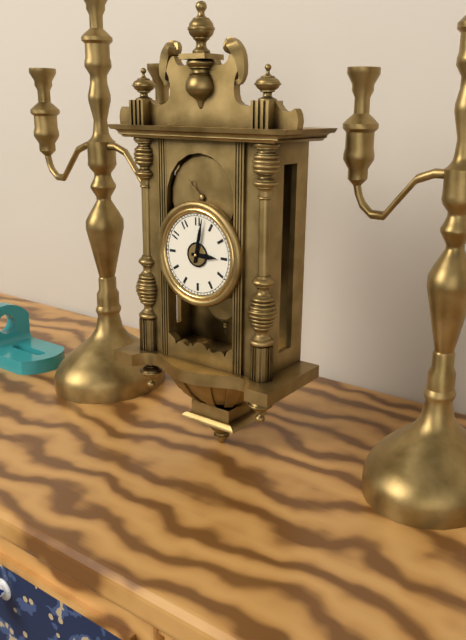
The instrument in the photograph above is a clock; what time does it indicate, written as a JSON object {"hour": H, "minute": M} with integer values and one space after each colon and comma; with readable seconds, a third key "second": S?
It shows {"hour": 3, "minute": 2}
